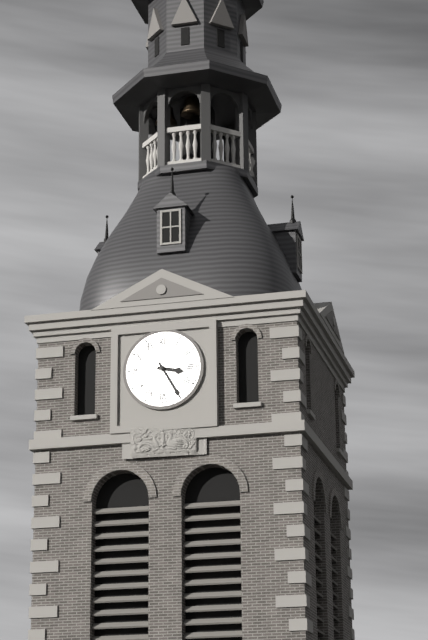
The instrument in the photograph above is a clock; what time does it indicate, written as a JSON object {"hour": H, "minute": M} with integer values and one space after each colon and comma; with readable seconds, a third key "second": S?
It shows {"hour": 3, "minute": 25}
